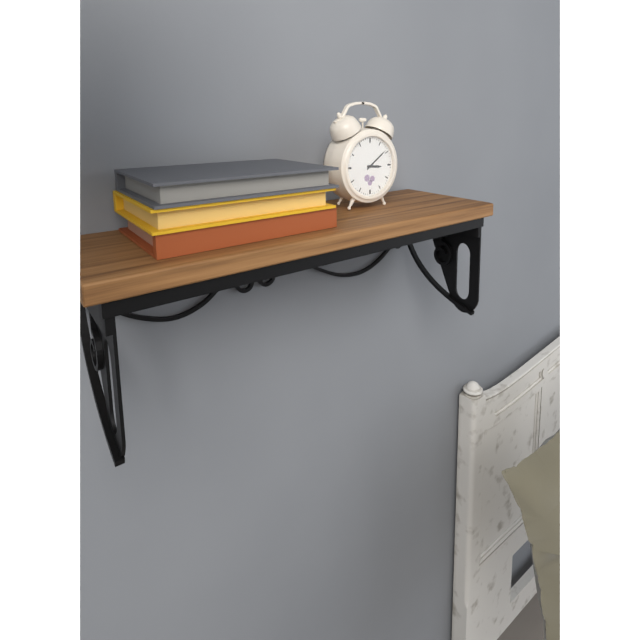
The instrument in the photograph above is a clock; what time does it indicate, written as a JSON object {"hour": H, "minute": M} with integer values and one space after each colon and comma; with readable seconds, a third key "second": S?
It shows {"hour": 3, "minute": 9}
